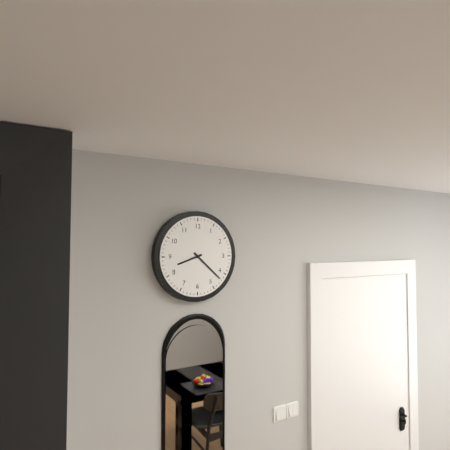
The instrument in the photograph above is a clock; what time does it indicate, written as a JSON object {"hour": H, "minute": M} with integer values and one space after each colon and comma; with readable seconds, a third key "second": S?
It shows {"hour": 8, "minute": 22}
